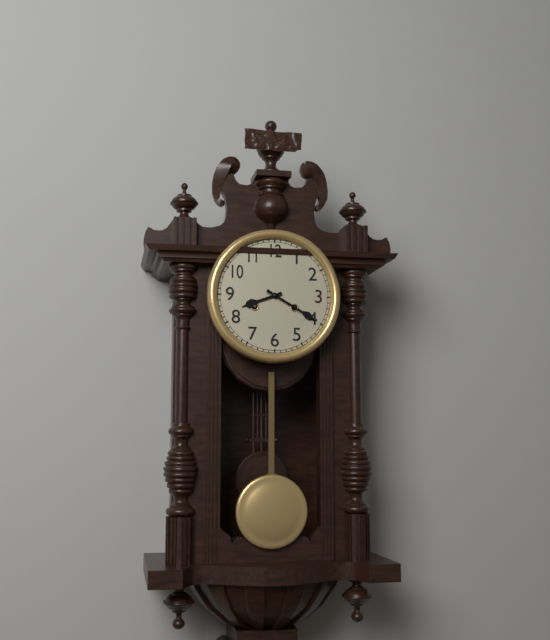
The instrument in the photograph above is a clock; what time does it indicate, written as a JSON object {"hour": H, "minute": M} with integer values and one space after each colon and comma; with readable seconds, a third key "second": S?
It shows {"hour": 8, "minute": 20}
